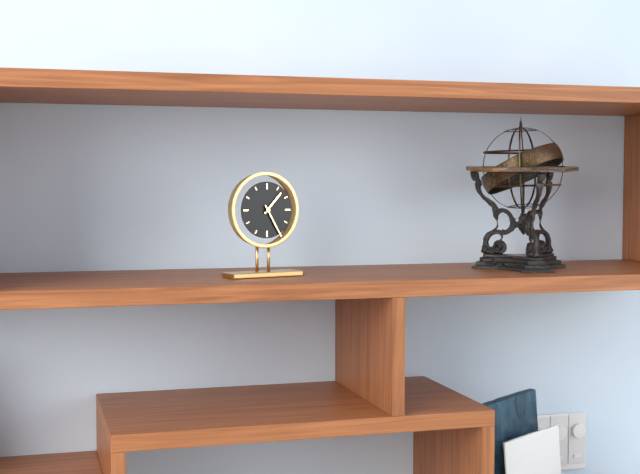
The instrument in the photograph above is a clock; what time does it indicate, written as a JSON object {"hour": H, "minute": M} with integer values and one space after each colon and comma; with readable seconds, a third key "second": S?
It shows {"hour": 1, "minute": 25}
